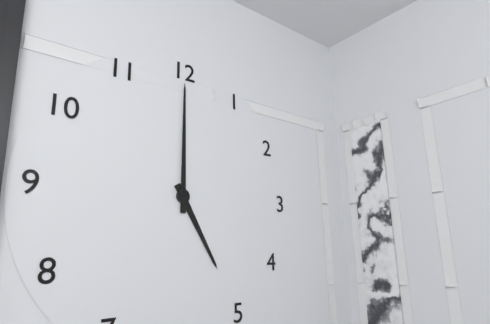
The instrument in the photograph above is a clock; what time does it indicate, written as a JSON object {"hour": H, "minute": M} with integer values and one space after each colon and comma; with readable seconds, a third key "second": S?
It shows {"hour": 5, "minute": 0}
